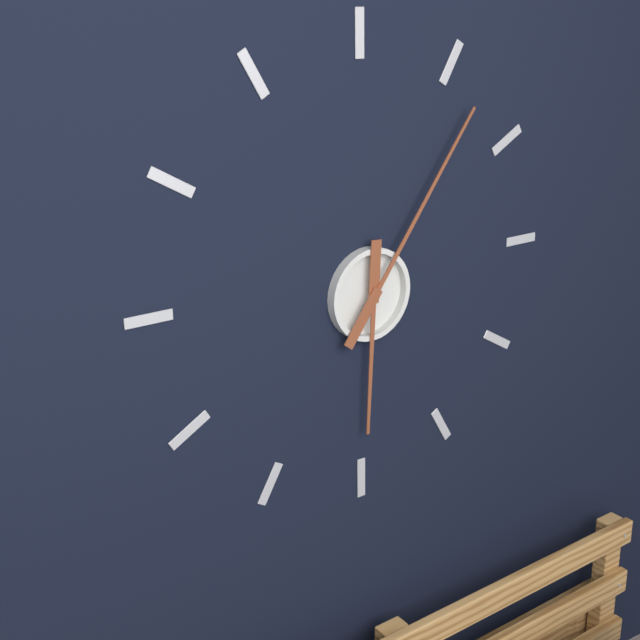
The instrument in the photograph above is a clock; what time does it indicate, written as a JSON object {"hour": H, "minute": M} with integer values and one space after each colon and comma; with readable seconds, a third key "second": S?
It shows {"hour": 6, "minute": 6}
